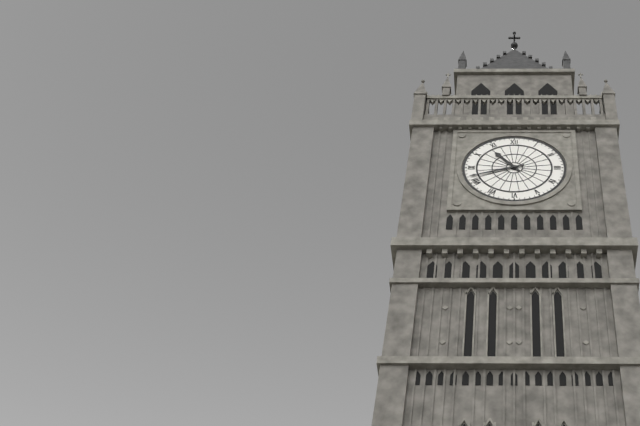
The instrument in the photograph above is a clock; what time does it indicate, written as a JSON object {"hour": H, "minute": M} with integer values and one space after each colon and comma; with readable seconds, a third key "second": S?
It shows {"hour": 10, "minute": 42}
